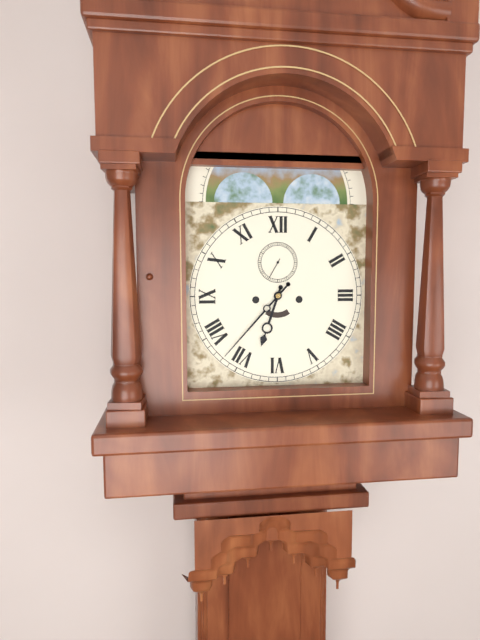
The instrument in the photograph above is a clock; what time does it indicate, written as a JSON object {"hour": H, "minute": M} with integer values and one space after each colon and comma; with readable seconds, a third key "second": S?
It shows {"hour": 6, "minute": 37}
